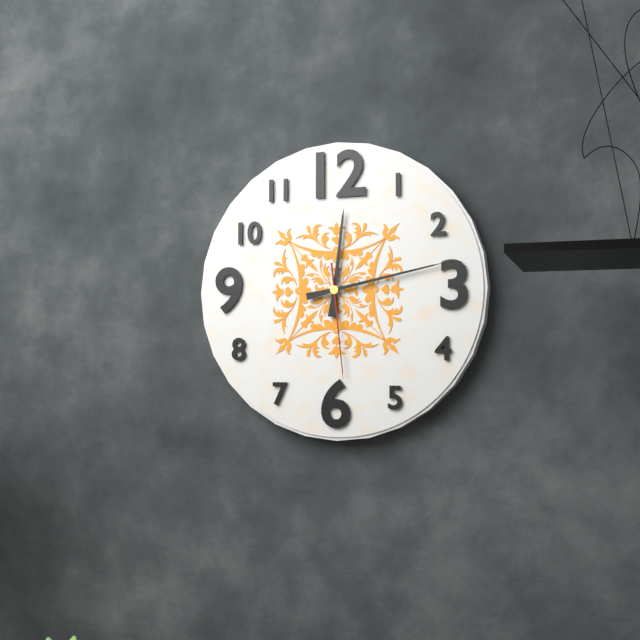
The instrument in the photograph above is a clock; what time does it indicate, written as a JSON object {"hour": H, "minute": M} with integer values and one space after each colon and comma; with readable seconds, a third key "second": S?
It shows {"hour": 12, "minute": 13, "second": 29}
